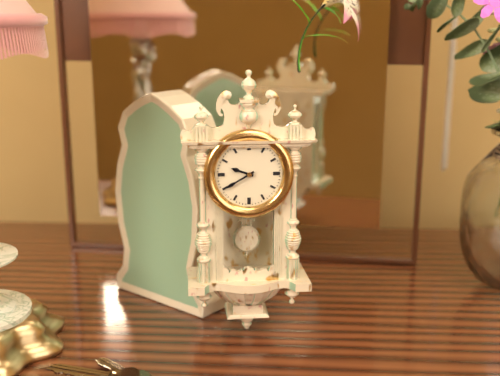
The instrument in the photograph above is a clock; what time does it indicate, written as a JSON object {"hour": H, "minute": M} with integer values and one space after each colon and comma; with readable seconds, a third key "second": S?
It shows {"hour": 9, "minute": 40}
